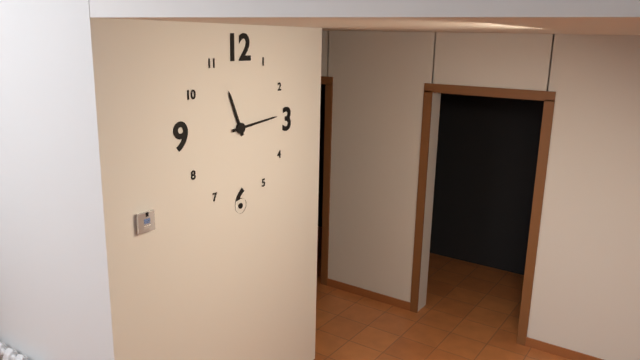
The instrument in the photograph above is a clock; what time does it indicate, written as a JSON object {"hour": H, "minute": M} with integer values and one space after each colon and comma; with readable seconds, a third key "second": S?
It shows {"hour": 11, "minute": 14}
